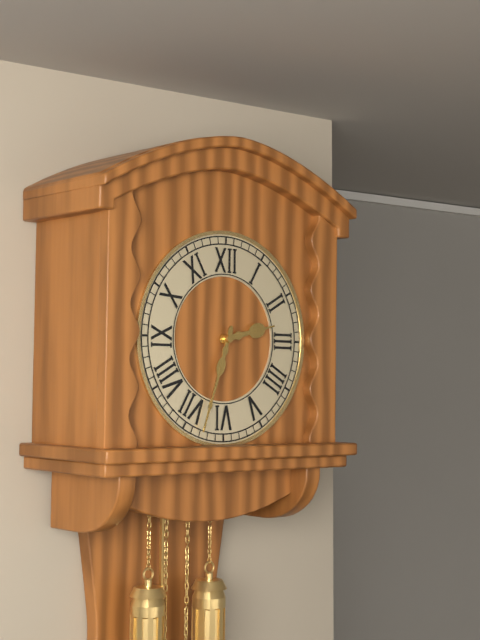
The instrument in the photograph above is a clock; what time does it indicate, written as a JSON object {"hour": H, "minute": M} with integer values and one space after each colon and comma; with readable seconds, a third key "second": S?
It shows {"hour": 2, "minute": 33}
